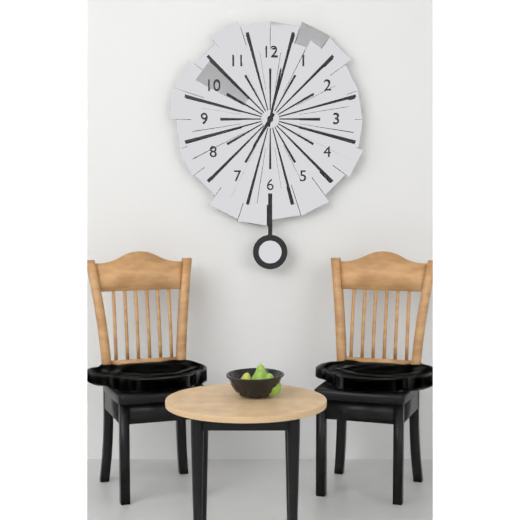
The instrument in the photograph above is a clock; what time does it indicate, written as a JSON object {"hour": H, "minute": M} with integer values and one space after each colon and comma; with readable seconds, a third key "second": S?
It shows {"hour": 7, "minute": 2}
